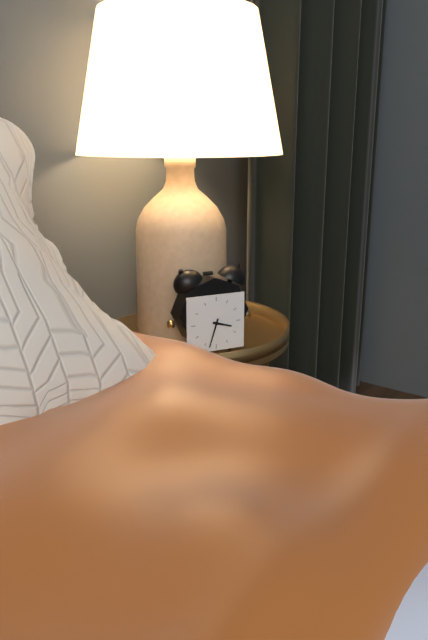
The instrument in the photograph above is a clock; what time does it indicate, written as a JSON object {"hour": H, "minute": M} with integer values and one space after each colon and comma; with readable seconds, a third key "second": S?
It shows {"hour": 3, "minute": 33}
